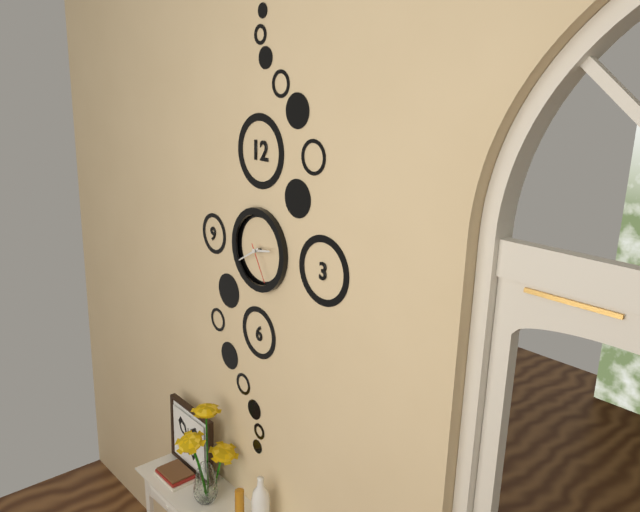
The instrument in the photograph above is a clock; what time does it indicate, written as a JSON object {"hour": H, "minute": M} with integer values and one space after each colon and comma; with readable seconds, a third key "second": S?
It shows {"hour": 2, "minute": 40}
